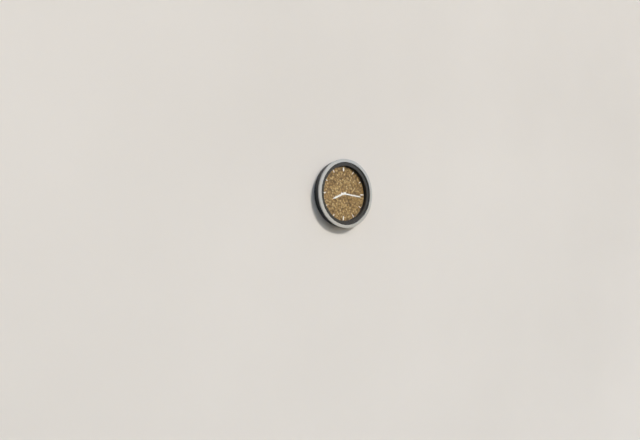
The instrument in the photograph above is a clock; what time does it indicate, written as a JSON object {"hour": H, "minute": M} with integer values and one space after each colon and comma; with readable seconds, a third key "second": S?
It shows {"hour": 8, "minute": 16}
